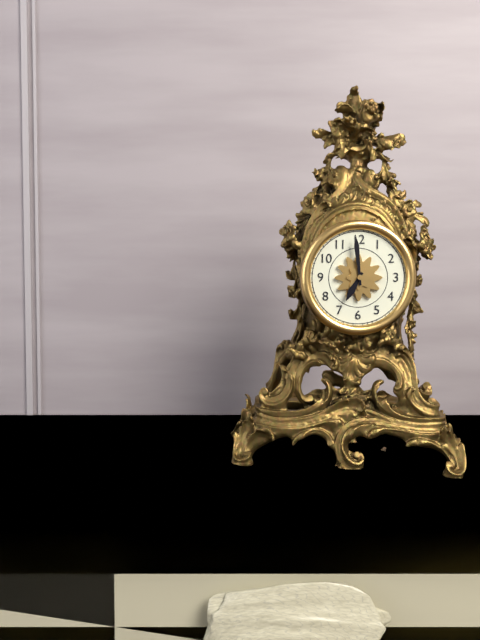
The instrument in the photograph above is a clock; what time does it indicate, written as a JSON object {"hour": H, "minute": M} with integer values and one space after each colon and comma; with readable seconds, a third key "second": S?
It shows {"hour": 6, "minute": 59}
